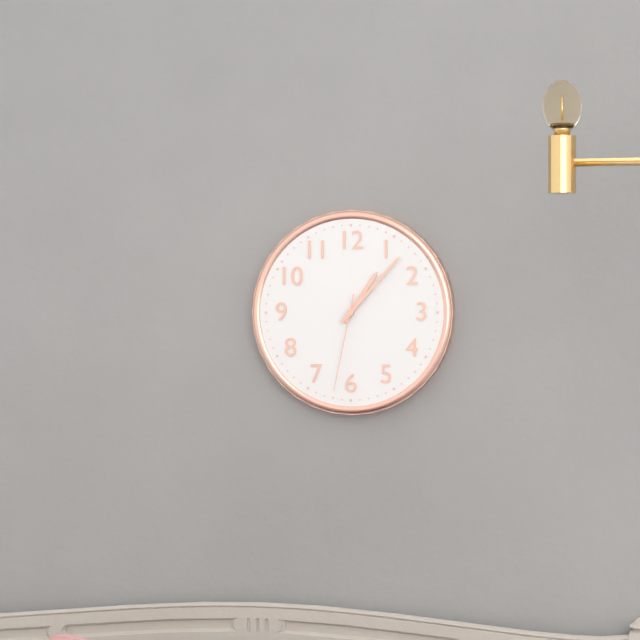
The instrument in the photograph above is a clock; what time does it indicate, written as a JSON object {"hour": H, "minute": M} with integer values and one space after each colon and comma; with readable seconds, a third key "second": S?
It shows {"hour": 1, "minute": 7, "second": 32}
